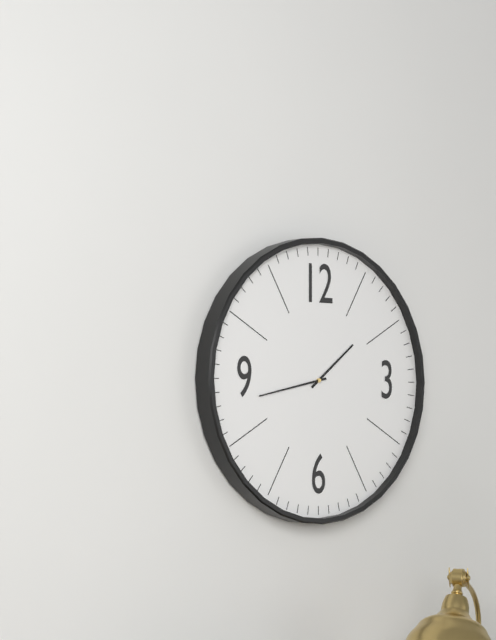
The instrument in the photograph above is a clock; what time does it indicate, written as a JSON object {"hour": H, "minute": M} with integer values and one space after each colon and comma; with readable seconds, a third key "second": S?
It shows {"hour": 1, "minute": 43}
